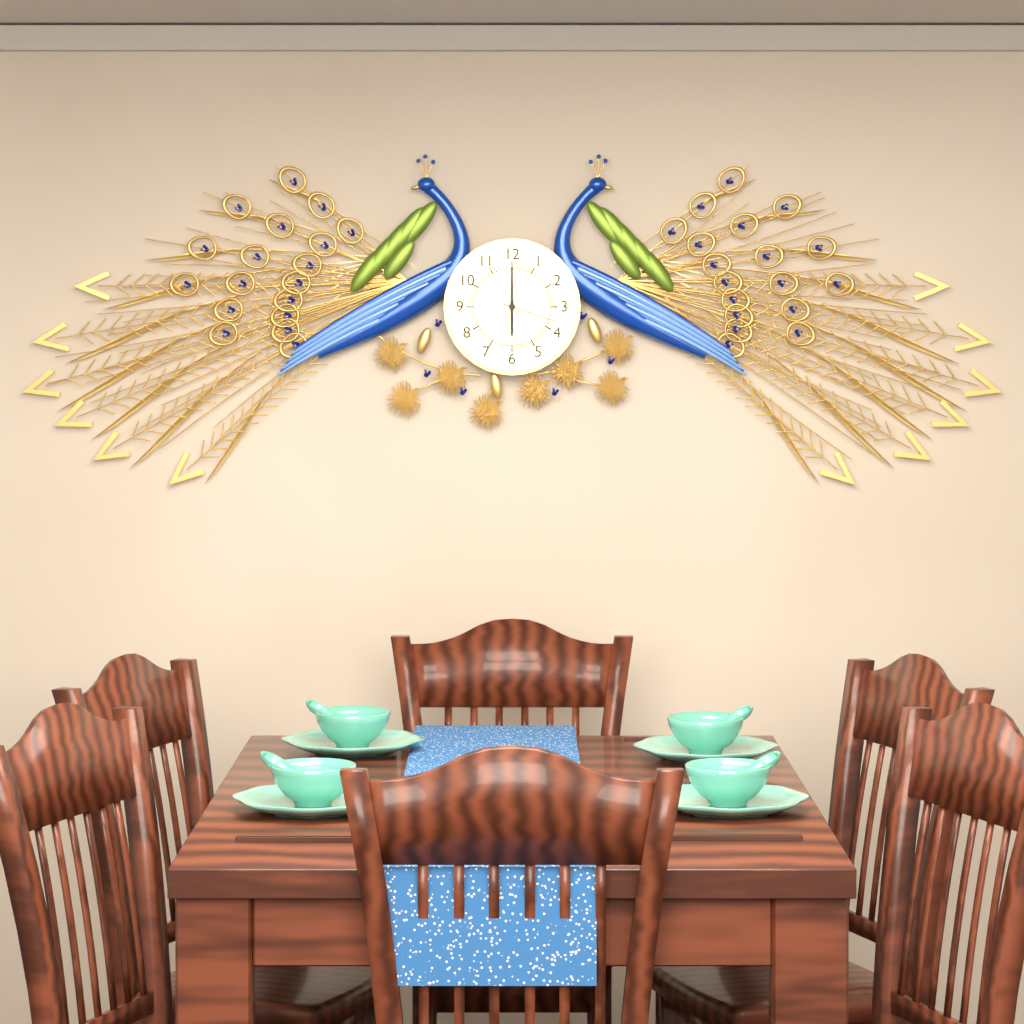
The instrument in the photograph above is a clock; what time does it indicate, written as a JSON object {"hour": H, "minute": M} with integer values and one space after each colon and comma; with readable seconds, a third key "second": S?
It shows {"hour": 6, "minute": 0, "second": 18}
